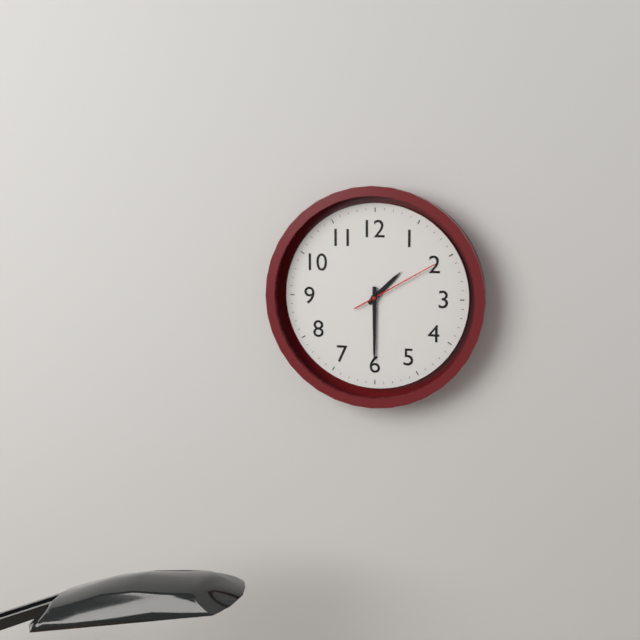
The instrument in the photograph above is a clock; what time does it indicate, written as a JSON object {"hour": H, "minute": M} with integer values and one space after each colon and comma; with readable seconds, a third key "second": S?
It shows {"hour": 1, "minute": 30, "second": 10}
